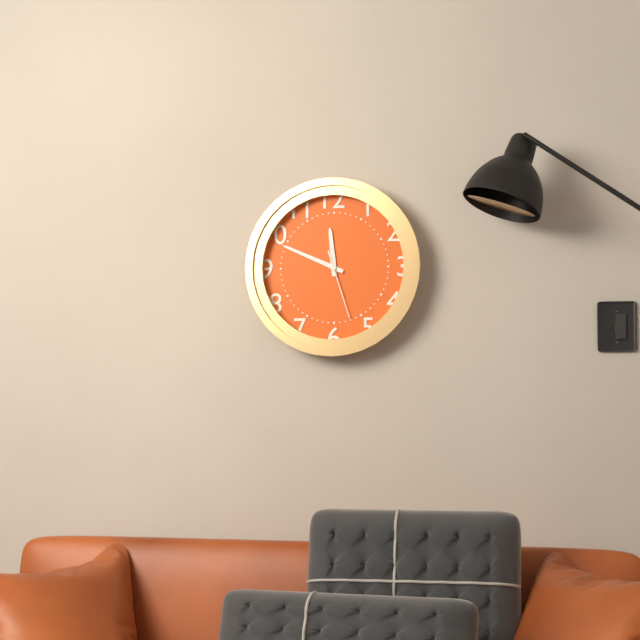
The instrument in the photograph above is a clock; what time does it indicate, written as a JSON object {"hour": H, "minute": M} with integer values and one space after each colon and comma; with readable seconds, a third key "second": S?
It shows {"hour": 11, "minute": 49, "second": 27}
